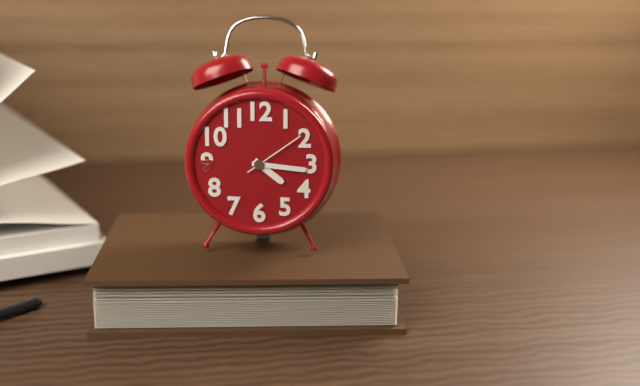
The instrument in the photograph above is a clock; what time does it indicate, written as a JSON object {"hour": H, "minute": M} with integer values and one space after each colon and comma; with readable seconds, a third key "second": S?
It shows {"hour": 4, "minute": 16, "second": 9}
